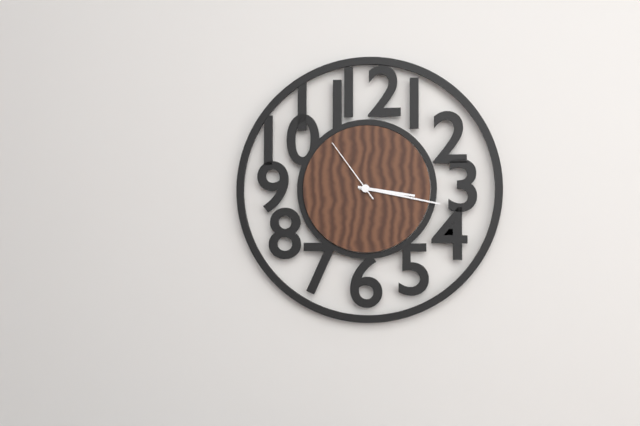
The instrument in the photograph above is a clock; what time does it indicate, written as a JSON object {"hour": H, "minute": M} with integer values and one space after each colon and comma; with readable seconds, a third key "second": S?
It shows {"hour": 3, "minute": 17, "second": 54}
